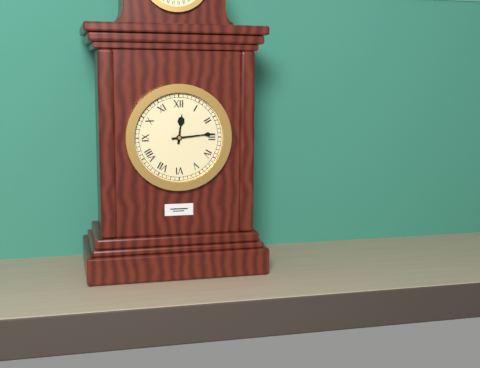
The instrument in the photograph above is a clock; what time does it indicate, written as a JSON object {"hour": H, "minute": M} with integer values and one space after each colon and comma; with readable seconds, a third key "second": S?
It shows {"hour": 12, "minute": 14}
